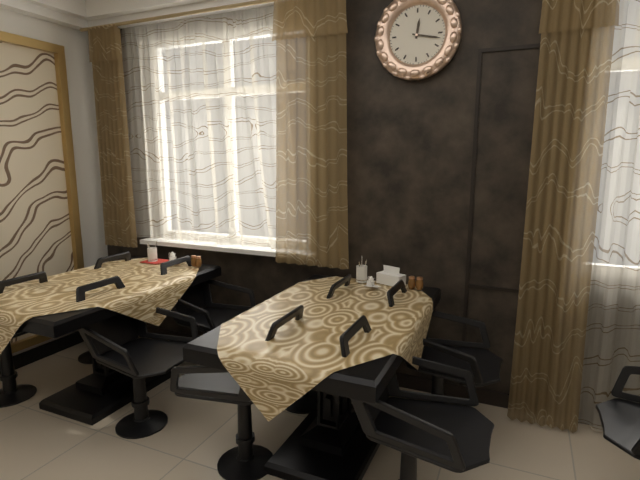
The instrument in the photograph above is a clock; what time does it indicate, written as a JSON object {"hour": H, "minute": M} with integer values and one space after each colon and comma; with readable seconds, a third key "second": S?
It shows {"hour": 12, "minute": 17}
